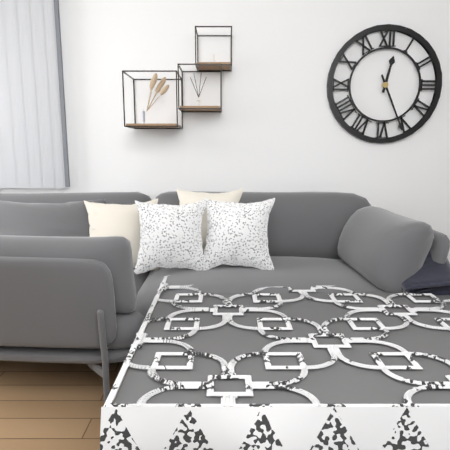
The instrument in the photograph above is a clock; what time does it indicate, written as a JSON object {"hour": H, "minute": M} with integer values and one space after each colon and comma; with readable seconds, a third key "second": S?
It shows {"hour": 12, "minute": 26}
